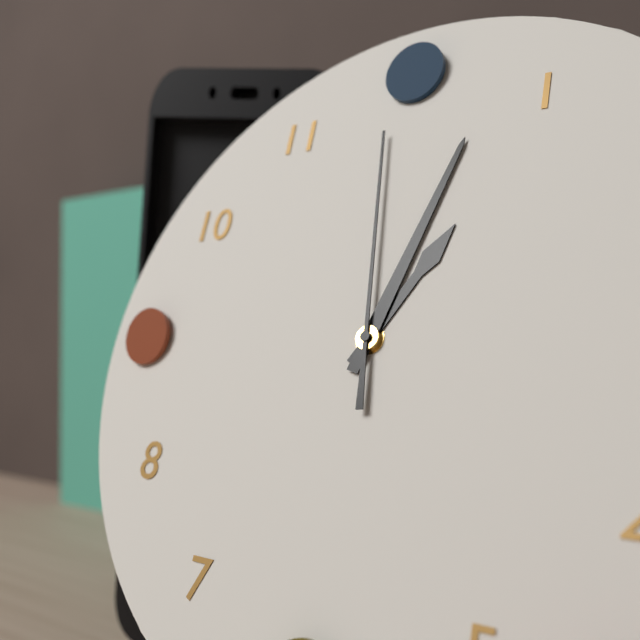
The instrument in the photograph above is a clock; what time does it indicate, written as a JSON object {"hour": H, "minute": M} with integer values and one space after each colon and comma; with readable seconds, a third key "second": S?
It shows {"hour": 1, "minute": 3, "second": 59}
